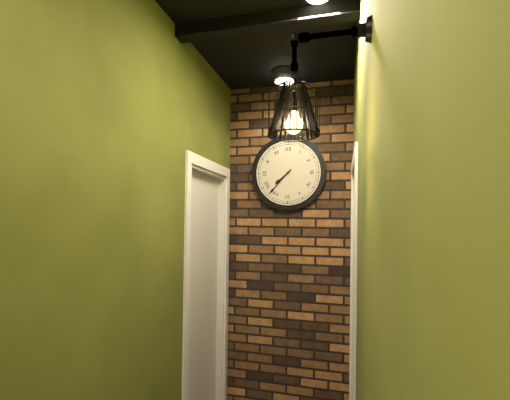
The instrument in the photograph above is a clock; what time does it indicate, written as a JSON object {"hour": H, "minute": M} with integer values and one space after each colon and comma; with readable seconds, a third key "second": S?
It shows {"hour": 7, "minute": 37}
